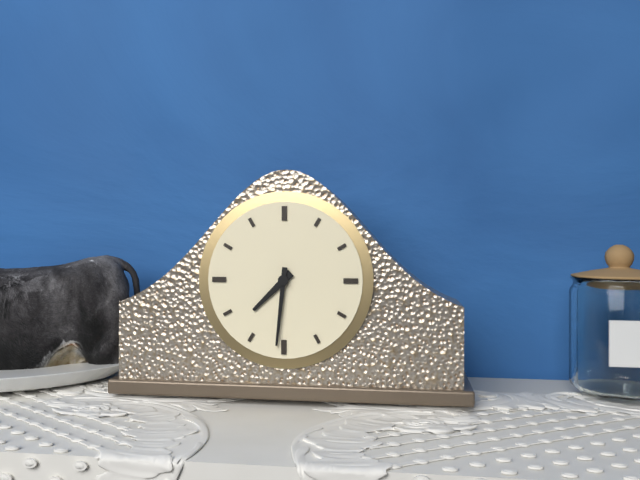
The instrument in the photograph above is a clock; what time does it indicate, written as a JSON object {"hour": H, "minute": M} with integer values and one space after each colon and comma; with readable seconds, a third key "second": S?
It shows {"hour": 7, "minute": 31}
